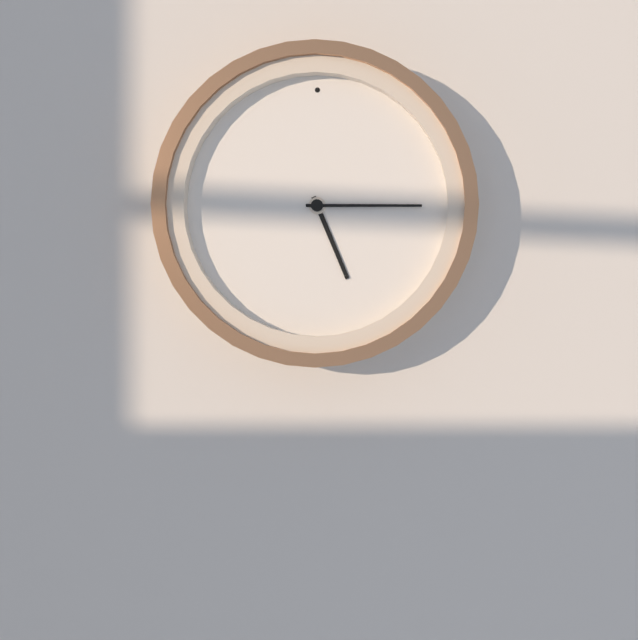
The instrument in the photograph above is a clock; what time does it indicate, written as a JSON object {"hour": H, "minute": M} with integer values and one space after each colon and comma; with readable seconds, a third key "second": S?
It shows {"hour": 5, "minute": 15}
